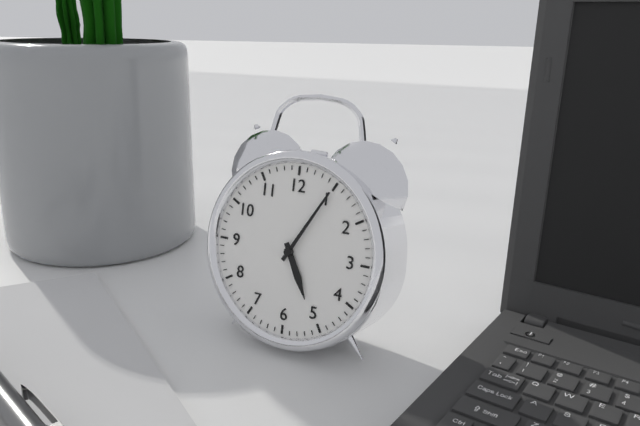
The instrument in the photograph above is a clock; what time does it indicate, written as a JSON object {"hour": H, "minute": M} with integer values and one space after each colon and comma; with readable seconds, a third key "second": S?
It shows {"hour": 5, "minute": 5}
